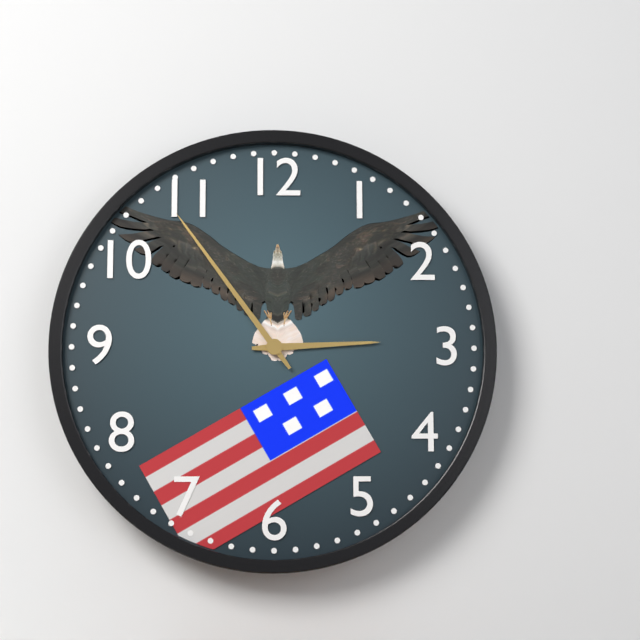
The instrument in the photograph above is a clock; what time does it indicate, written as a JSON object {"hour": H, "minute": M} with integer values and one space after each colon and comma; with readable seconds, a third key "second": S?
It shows {"hour": 2, "minute": 54}
